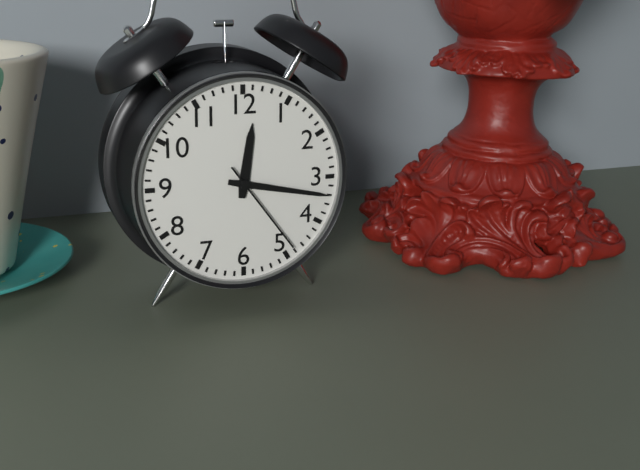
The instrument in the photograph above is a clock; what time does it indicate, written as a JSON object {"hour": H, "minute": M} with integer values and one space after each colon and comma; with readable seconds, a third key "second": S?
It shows {"hour": 12, "minute": 17, "second": 24}
